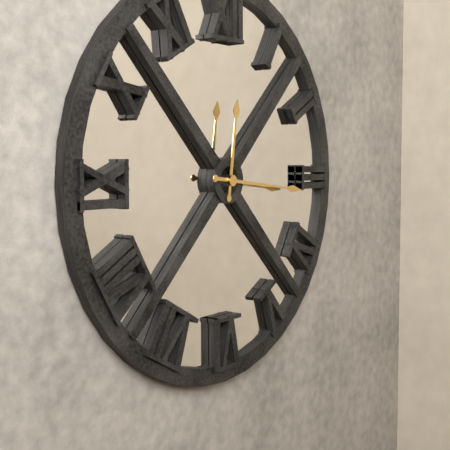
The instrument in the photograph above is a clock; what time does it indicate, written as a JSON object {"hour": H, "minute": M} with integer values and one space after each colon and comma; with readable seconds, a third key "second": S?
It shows {"hour": 12, "minute": 16}
